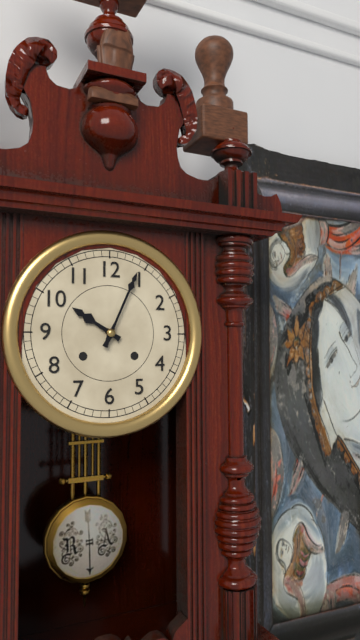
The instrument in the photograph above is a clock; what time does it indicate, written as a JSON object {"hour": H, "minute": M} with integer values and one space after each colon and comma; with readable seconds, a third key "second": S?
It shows {"hour": 10, "minute": 4}
